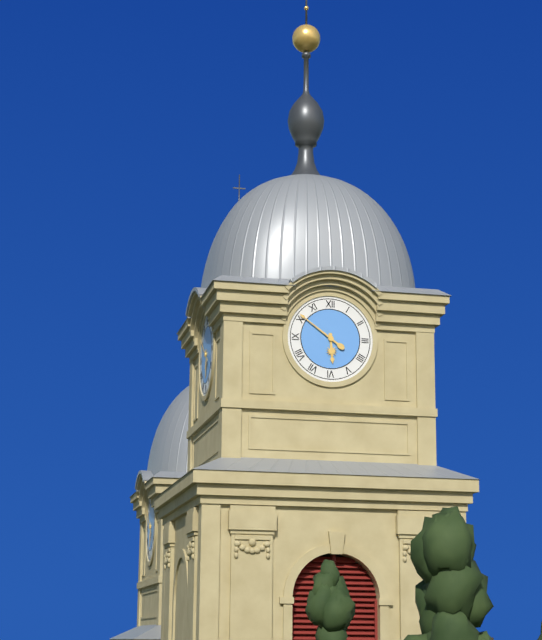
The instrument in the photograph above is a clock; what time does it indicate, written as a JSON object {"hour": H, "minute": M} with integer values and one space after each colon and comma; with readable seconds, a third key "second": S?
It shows {"hour": 5, "minute": 51}
